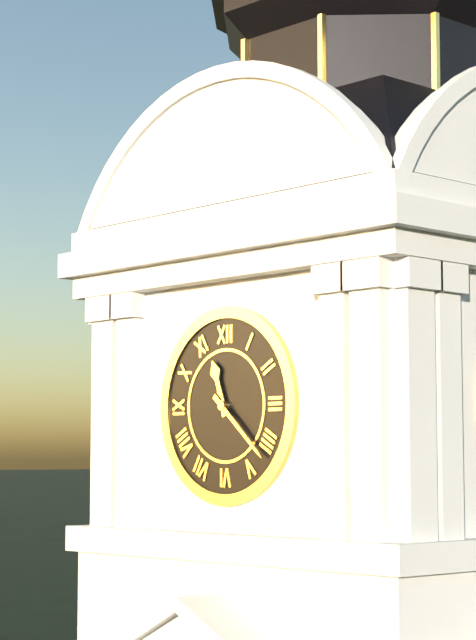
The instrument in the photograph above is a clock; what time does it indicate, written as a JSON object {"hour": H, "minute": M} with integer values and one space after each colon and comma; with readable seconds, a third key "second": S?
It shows {"hour": 11, "minute": 22}
